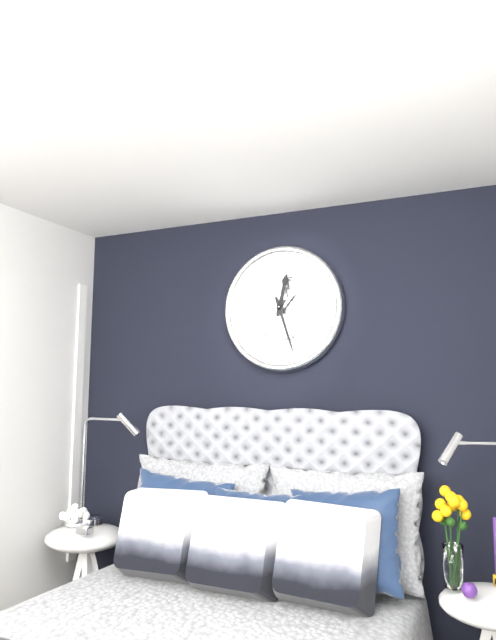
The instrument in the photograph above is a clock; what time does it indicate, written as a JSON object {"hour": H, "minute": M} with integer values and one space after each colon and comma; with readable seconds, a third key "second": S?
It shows {"hour": 12, "minute": 27}
